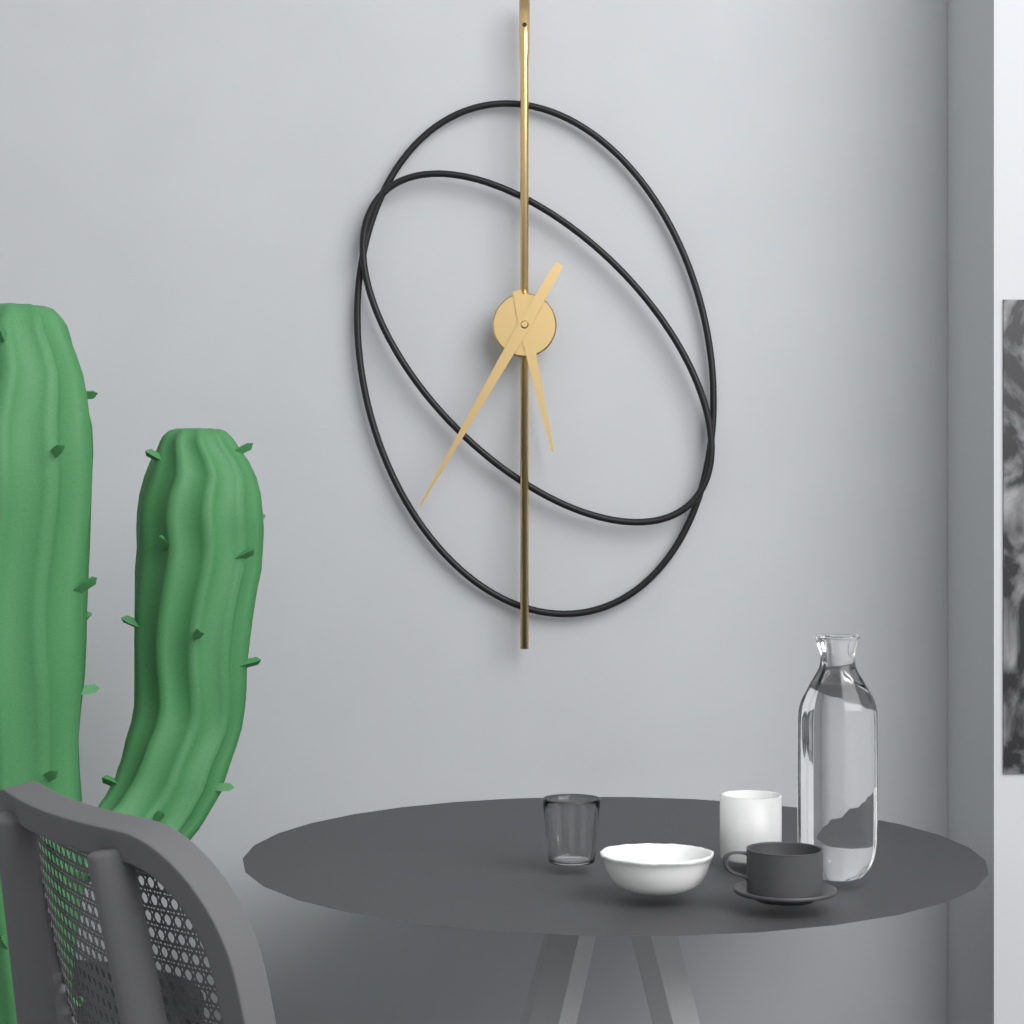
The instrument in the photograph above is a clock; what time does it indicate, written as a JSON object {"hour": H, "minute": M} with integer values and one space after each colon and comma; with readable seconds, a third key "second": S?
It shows {"hour": 5, "minute": 35}
